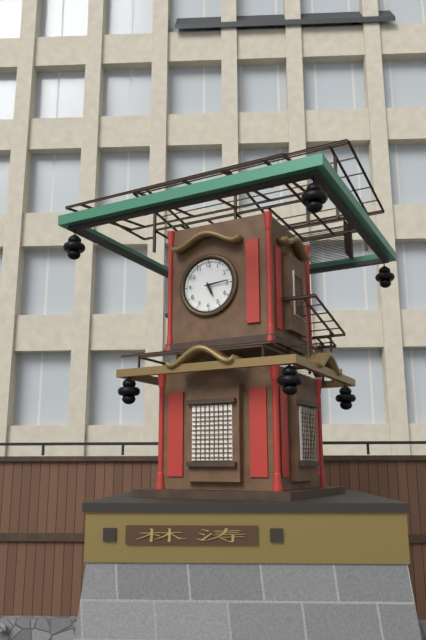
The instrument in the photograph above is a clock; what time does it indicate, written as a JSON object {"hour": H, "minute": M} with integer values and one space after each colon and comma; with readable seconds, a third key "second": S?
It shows {"hour": 5, "minute": 14}
